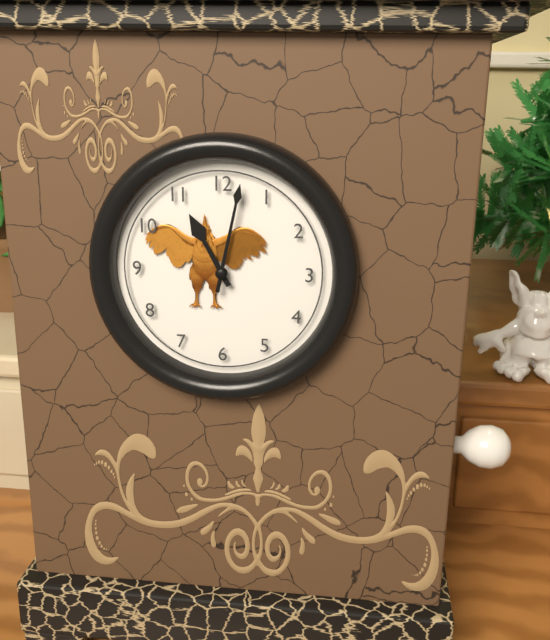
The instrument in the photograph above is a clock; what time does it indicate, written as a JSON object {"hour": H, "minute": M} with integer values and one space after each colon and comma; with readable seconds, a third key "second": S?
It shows {"hour": 11, "minute": 2}
